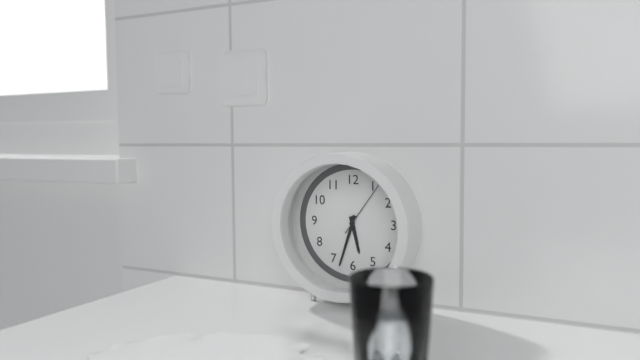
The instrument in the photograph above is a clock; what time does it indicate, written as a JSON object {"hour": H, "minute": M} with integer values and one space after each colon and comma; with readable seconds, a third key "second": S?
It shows {"hour": 5, "minute": 33, "second": 6}
